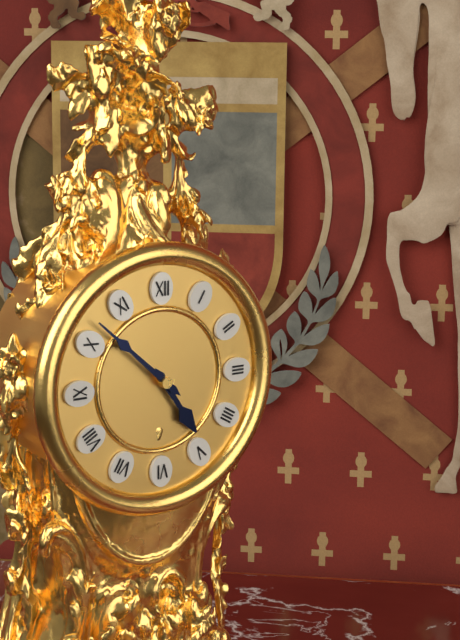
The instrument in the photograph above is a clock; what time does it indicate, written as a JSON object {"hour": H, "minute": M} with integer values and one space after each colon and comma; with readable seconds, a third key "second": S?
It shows {"hour": 4, "minute": 52}
